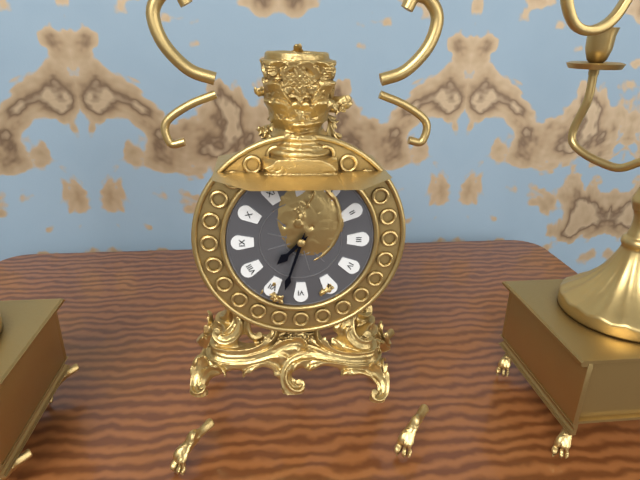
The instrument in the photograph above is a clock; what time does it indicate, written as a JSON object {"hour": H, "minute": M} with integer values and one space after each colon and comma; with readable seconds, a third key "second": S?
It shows {"hour": 7, "minute": 33}
